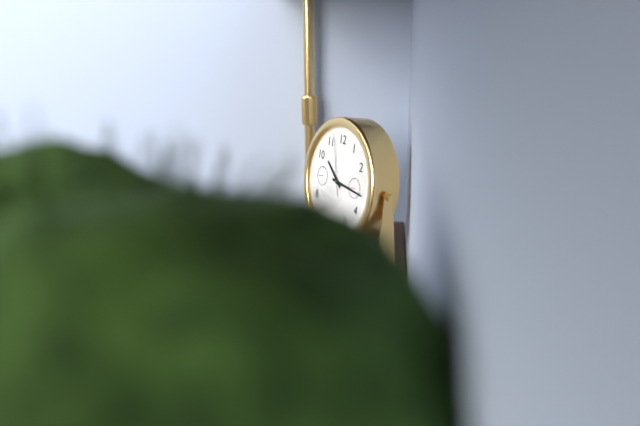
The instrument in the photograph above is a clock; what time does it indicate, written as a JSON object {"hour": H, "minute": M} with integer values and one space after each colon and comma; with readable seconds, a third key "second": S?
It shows {"hour": 10, "minute": 16, "second": 57}
